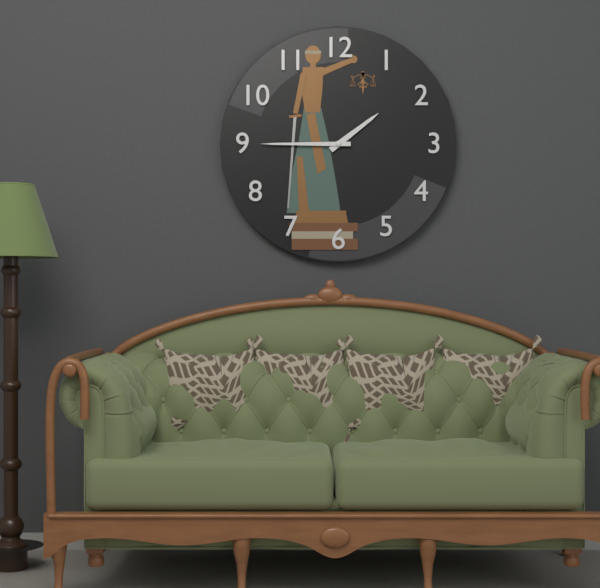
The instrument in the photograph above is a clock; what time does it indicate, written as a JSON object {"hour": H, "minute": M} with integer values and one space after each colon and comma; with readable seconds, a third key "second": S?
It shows {"hour": 1, "minute": 45}
